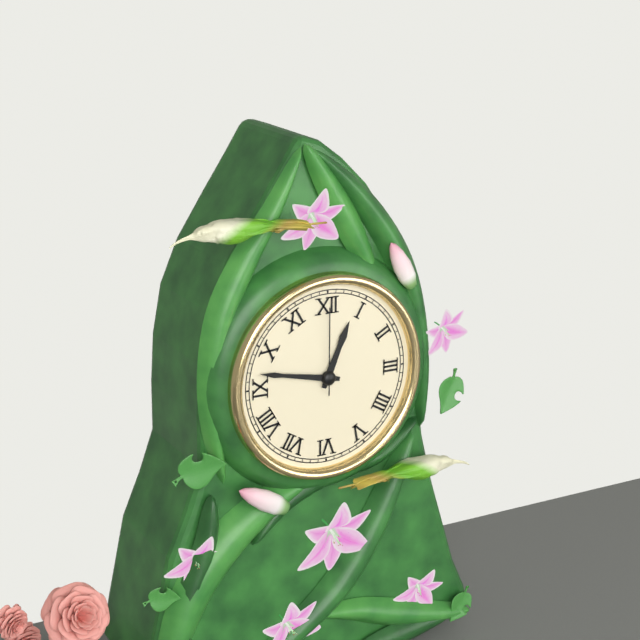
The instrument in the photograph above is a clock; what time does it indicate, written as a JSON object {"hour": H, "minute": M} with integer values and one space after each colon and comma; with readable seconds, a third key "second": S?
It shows {"hour": 12, "minute": 47, "second": 0}
